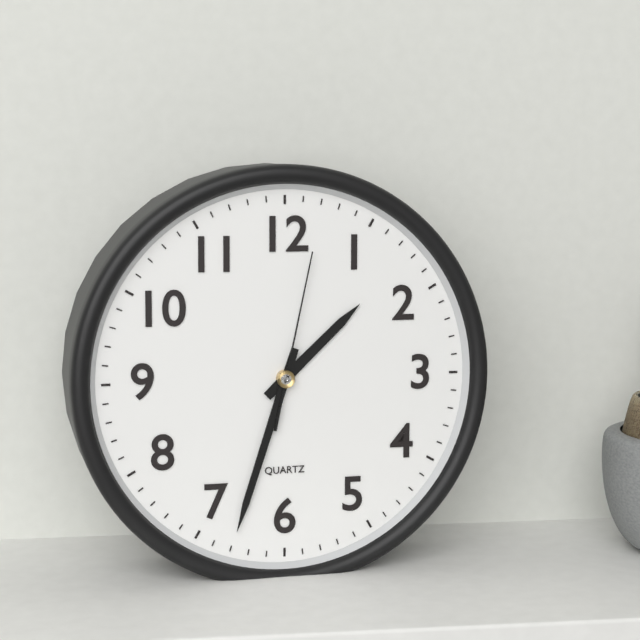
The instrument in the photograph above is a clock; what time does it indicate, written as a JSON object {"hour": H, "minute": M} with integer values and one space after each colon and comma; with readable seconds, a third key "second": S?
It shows {"hour": 1, "minute": 33, "second": 2}
